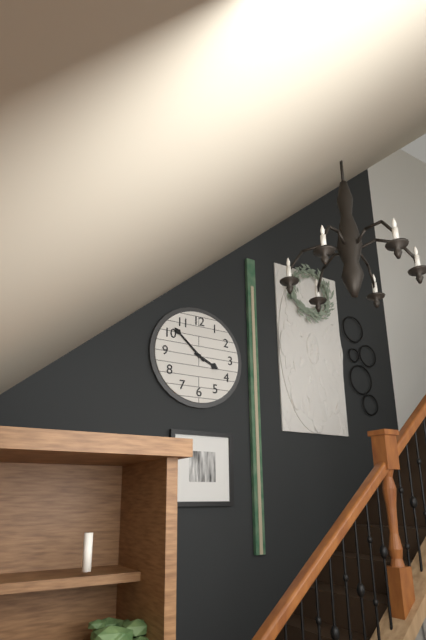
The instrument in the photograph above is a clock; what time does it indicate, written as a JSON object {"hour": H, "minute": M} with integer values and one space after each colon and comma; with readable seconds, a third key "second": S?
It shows {"hour": 3, "minute": 52}
